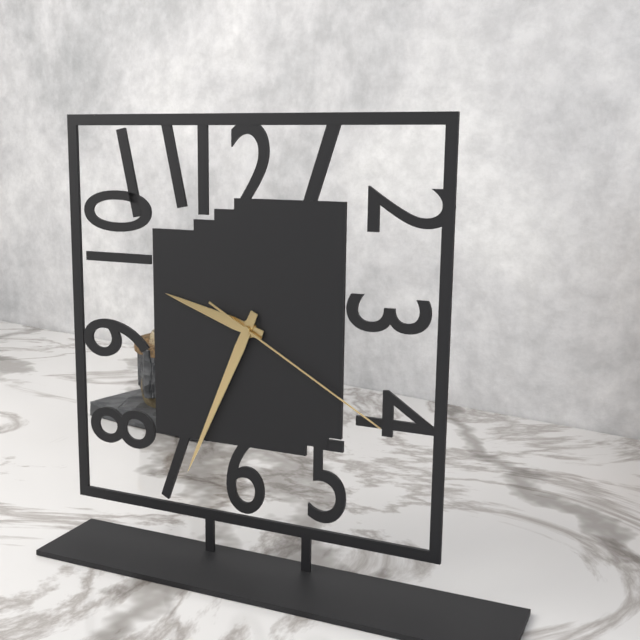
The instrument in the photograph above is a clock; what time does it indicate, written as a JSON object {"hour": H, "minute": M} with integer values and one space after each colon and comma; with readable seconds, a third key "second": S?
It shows {"hour": 9, "minute": 34, "second": 20}
